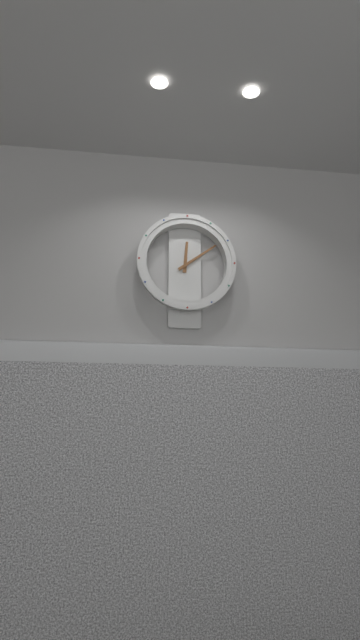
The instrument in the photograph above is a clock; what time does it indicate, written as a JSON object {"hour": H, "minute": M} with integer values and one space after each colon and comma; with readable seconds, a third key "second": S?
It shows {"hour": 12, "minute": 9}
